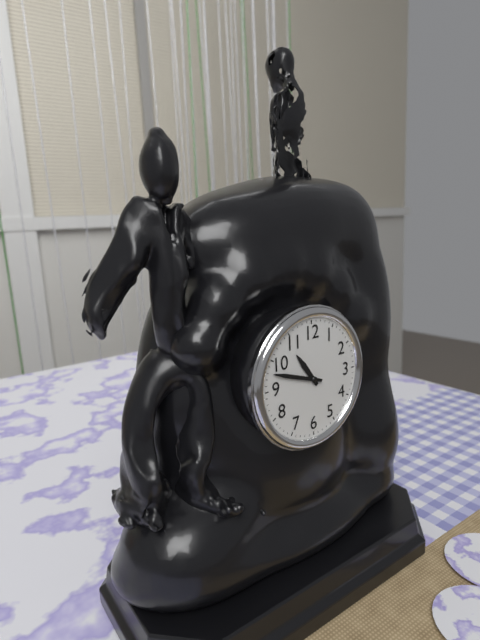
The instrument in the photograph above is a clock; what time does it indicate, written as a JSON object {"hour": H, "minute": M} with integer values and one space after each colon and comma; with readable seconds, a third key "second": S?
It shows {"hour": 10, "minute": 48}
